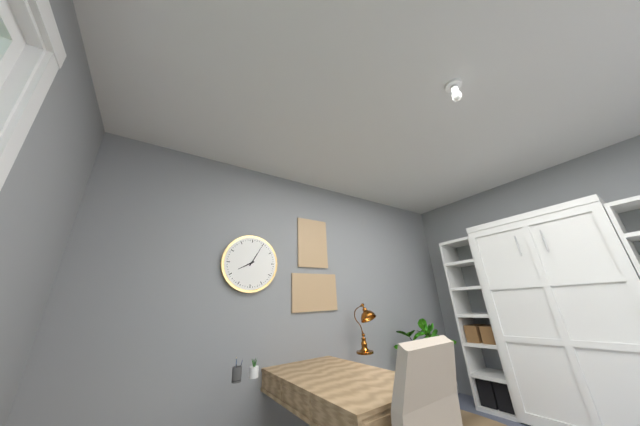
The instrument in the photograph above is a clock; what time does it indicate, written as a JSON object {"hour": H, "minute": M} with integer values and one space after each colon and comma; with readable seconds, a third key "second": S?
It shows {"hour": 8, "minute": 5}
